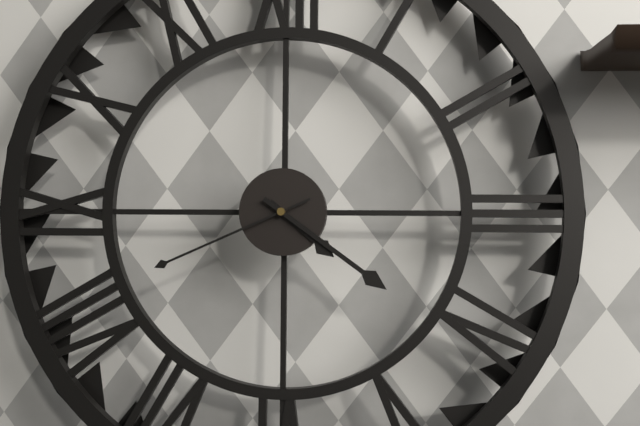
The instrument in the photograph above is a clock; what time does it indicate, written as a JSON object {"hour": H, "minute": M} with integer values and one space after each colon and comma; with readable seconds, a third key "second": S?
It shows {"hour": 4, "minute": 21, "second": 41}
